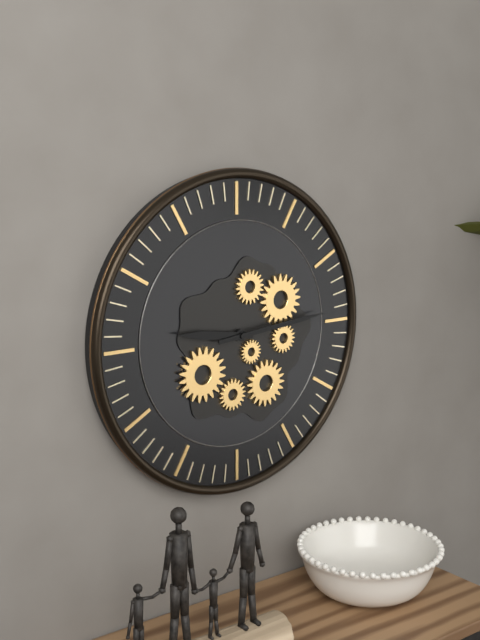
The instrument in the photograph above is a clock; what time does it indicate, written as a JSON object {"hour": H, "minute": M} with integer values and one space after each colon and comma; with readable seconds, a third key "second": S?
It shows {"hour": 9, "minute": 14}
